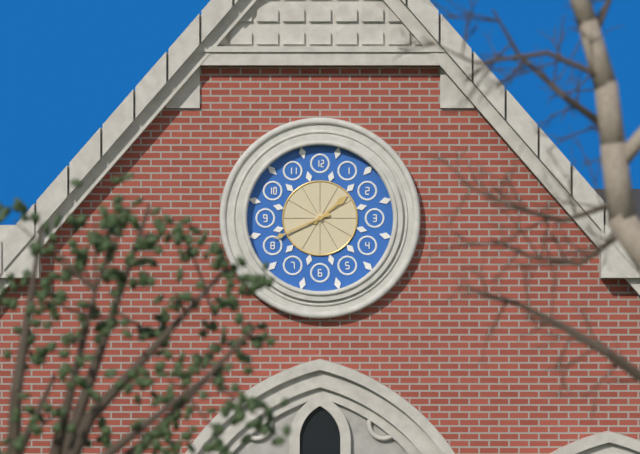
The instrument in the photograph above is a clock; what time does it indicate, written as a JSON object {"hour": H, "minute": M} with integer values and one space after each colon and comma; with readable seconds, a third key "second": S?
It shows {"hour": 1, "minute": 41}
